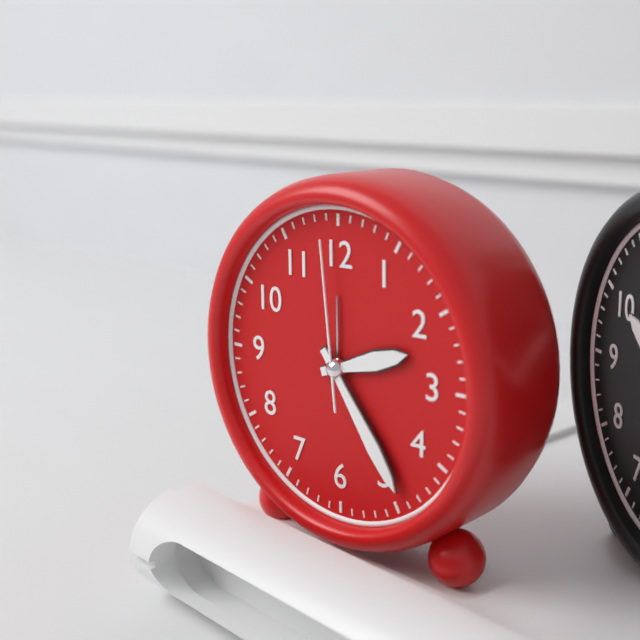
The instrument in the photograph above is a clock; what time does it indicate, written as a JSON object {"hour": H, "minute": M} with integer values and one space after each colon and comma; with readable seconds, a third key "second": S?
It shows {"hour": 2, "minute": 24, "second": 59}
